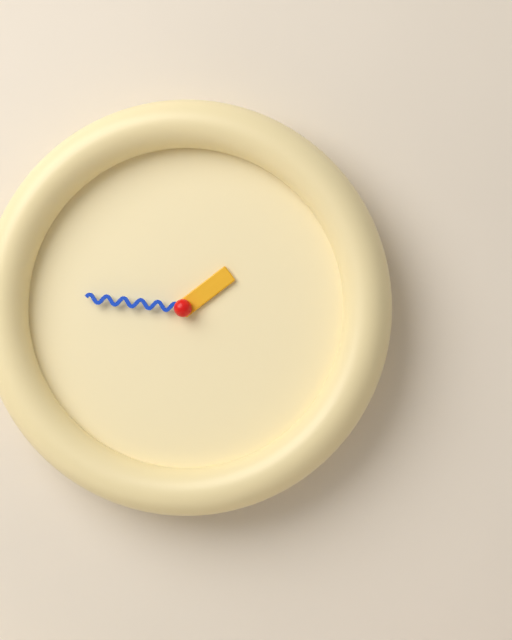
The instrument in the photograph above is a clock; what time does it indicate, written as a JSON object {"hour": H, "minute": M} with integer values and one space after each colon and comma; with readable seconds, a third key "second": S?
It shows {"hour": 1, "minute": 46}
